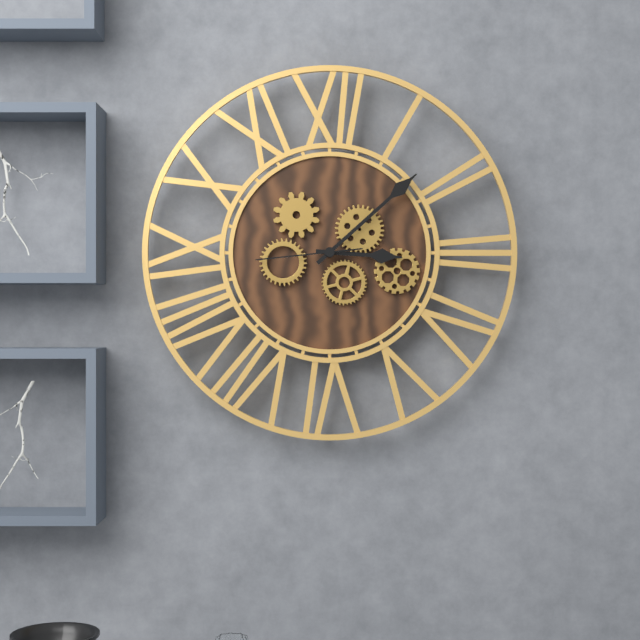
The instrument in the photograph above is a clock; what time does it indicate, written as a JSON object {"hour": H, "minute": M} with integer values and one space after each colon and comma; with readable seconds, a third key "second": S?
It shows {"hour": 3, "minute": 8, "second": 44}
